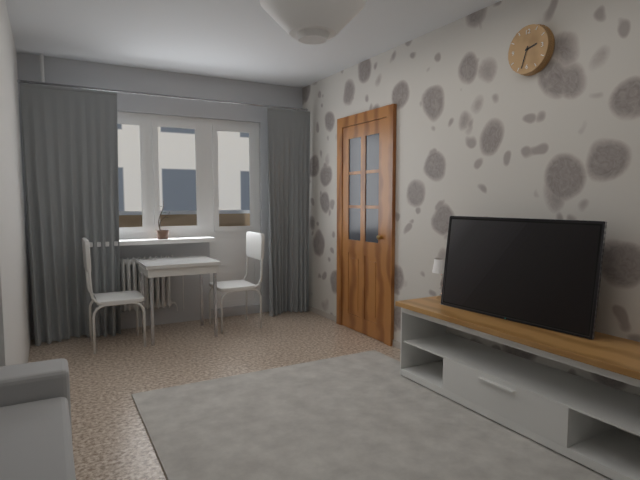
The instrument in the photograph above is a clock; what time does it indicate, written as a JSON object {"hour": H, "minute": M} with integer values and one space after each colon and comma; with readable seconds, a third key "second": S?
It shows {"hour": 2, "minute": 33}
